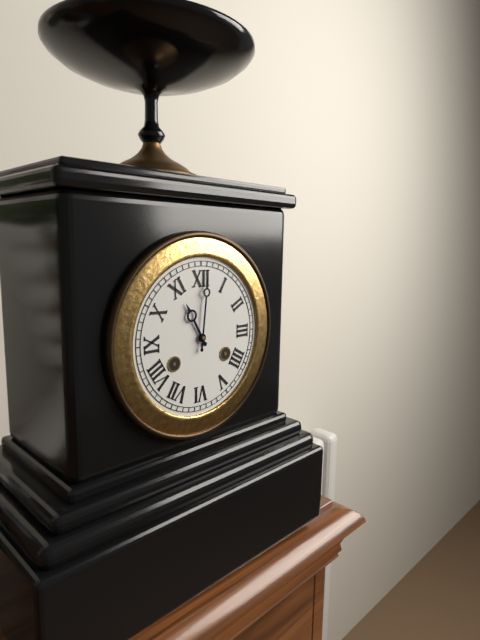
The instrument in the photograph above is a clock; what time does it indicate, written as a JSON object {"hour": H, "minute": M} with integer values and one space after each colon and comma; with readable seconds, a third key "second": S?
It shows {"hour": 11, "minute": 1}
